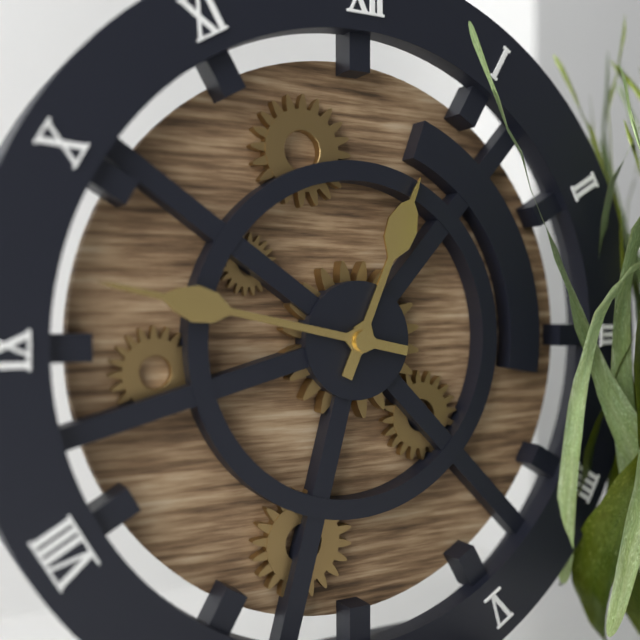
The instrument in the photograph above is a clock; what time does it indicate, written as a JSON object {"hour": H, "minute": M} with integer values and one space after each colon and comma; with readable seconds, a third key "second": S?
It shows {"hour": 12, "minute": 47}
